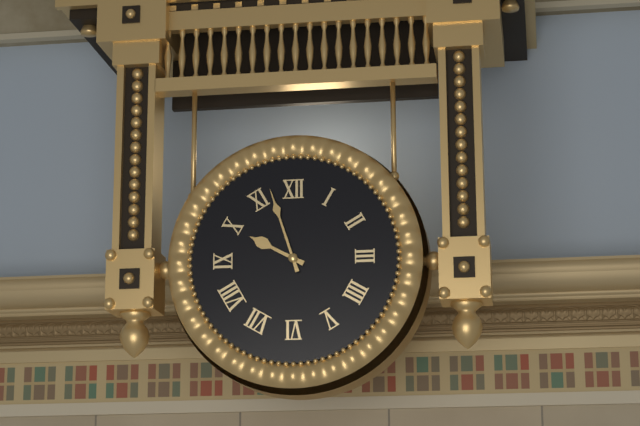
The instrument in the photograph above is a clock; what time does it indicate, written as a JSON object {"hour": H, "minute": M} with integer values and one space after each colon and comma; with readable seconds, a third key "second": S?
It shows {"hour": 9, "minute": 57}
